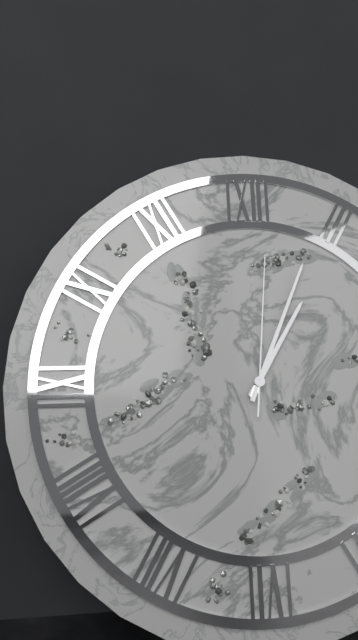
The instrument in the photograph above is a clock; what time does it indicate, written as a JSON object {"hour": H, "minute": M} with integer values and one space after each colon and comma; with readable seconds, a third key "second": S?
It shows {"hour": 1, "minute": 4, "second": 1}
